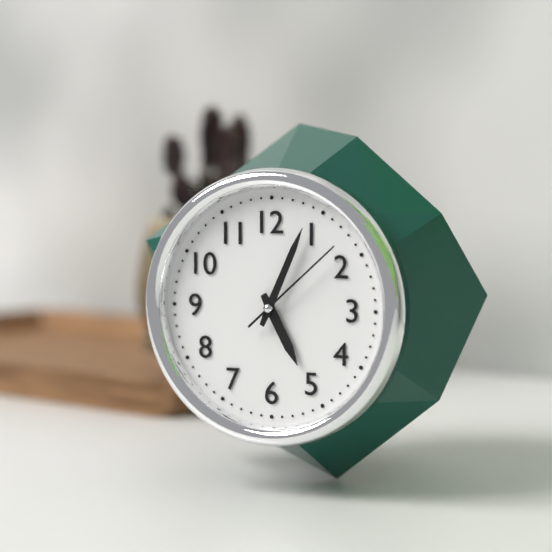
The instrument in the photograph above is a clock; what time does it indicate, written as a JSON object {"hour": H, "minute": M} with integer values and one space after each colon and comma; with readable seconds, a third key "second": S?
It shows {"hour": 5, "minute": 4, "second": 8}
